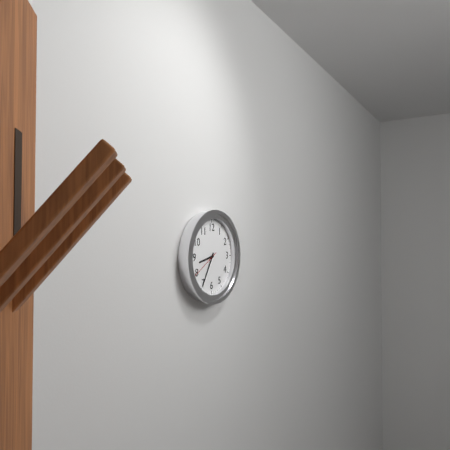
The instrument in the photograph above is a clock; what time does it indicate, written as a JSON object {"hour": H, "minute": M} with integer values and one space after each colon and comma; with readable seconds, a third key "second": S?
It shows {"hour": 8, "minute": 35}
